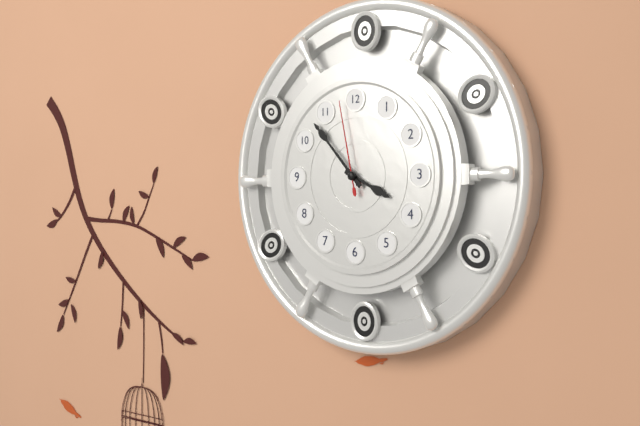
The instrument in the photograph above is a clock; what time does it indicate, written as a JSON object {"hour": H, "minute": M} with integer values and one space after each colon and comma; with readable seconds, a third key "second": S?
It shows {"hour": 3, "minute": 53, "second": 58}
